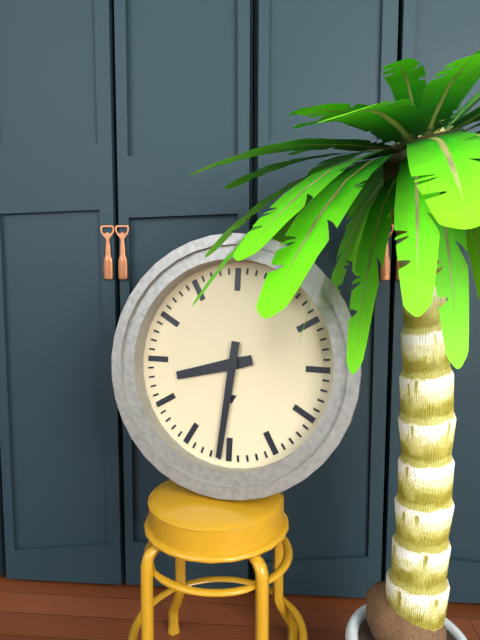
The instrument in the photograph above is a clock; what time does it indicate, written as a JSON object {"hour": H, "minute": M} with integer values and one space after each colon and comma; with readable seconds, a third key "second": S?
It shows {"hour": 8, "minute": 31}
